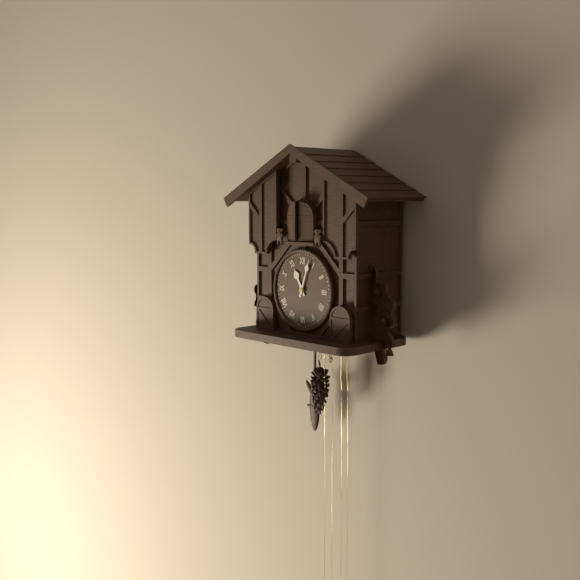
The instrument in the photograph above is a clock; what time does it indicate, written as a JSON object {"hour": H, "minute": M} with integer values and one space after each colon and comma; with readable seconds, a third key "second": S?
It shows {"hour": 11, "minute": 3}
